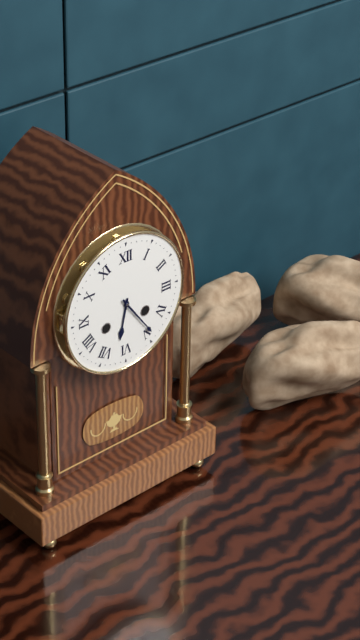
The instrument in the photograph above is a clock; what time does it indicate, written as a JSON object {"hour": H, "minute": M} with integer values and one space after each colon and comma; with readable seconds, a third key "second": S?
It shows {"hour": 6, "minute": 24}
